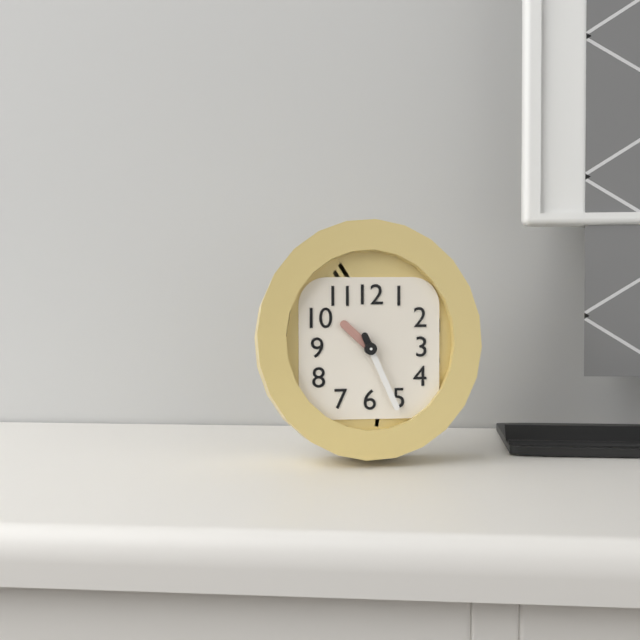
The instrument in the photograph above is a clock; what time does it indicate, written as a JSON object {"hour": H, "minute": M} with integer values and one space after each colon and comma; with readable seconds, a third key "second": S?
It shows {"hour": 10, "minute": 26}
